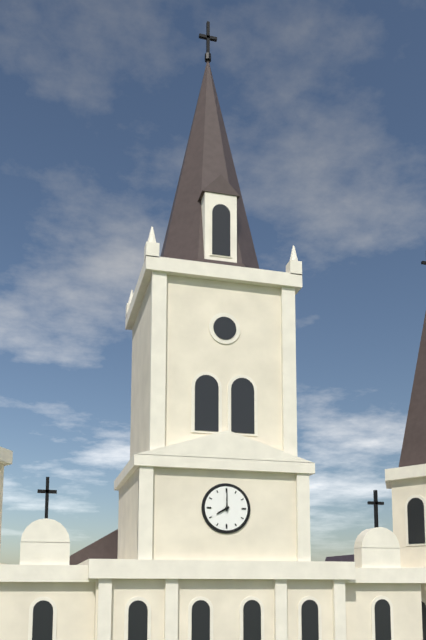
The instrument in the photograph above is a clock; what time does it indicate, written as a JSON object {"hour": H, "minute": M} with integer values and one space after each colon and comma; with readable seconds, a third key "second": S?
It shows {"hour": 8, "minute": 0}
